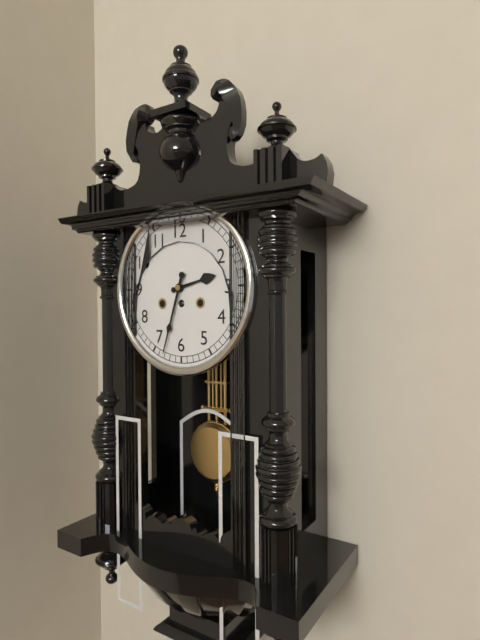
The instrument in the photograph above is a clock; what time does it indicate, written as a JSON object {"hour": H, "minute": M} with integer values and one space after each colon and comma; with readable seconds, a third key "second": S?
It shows {"hour": 2, "minute": 33}
